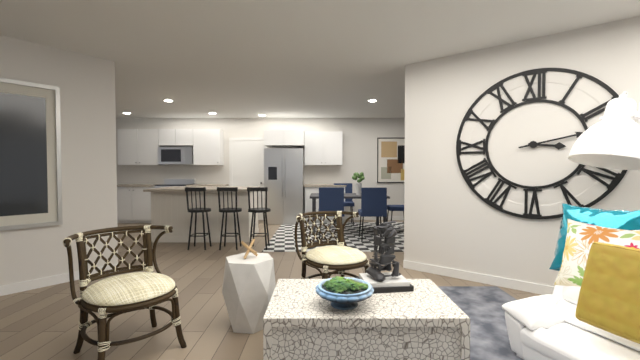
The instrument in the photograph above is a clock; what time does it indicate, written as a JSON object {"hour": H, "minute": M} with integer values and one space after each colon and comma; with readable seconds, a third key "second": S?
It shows {"hour": 3, "minute": 13}
